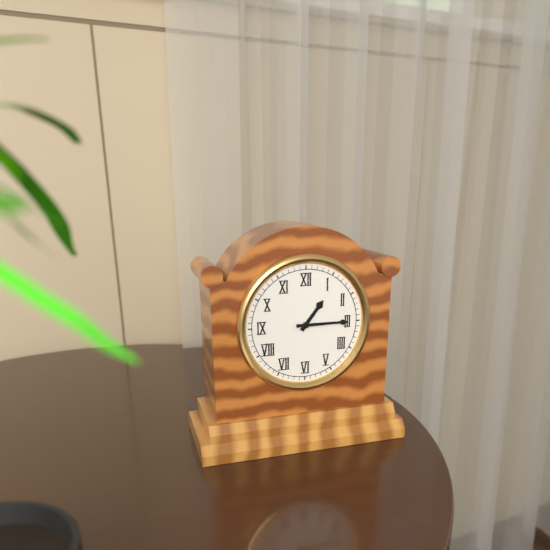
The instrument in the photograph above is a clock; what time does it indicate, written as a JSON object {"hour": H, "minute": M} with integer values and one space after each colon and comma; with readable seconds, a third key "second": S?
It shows {"hour": 1, "minute": 15}
